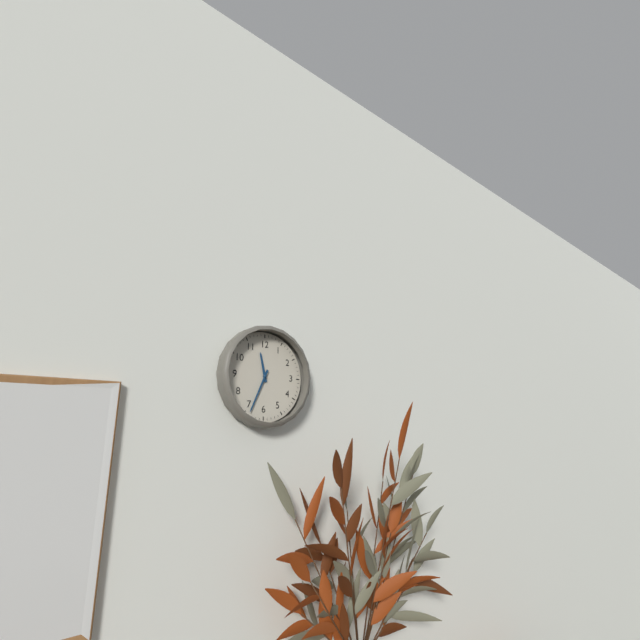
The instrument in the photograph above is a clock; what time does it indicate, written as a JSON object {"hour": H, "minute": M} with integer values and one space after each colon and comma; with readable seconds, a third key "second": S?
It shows {"hour": 11, "minute": 34}
